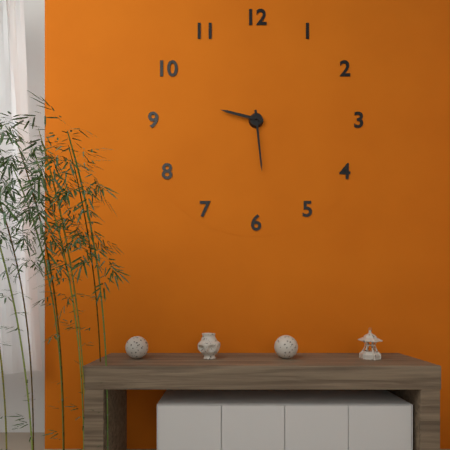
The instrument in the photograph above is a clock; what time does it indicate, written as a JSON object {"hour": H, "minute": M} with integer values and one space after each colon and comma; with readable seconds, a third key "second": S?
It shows {"hour": 9, "minute": 29}
